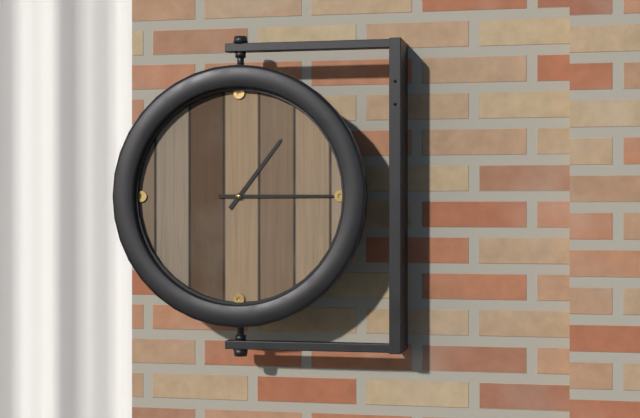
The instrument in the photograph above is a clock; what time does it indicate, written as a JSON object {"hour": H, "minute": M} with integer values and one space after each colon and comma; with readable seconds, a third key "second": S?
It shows {"hour": 1, "minute": 15}
